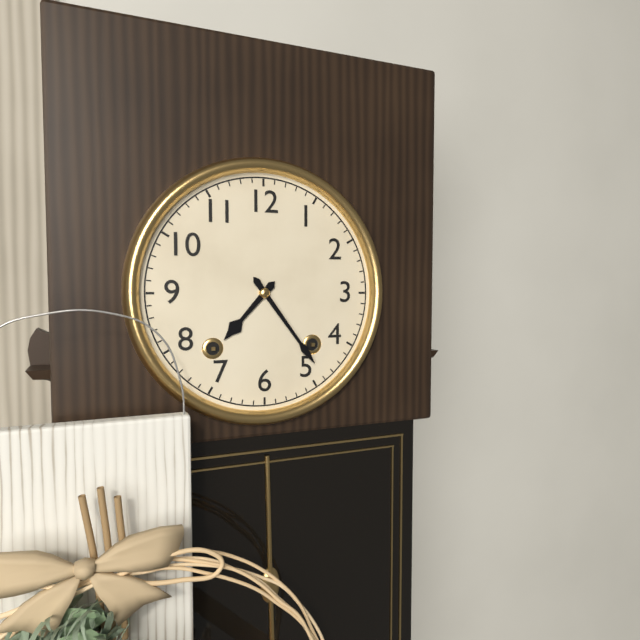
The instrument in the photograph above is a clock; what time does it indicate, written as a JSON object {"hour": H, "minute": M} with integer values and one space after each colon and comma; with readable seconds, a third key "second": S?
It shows {"hour": 7, "minute": 24}
